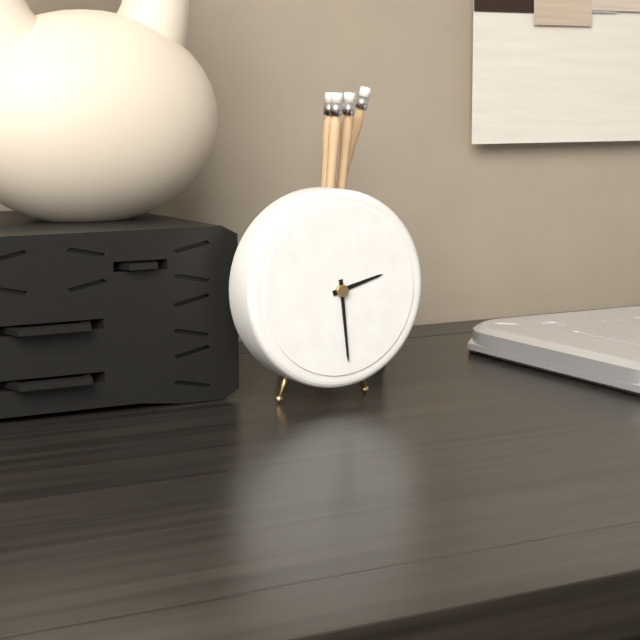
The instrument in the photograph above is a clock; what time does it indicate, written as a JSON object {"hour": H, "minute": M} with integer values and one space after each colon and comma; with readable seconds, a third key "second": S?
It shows {"hour": 2, "minute": 29}
